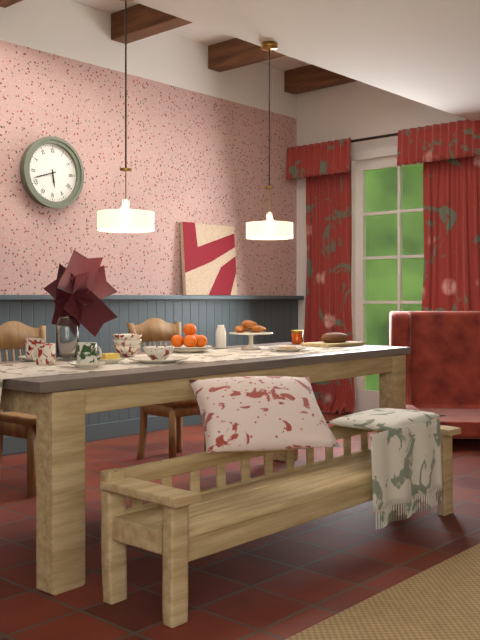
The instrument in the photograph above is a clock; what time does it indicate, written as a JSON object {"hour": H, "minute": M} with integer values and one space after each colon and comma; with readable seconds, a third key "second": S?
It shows {"hour": 5, "minute": 42}
